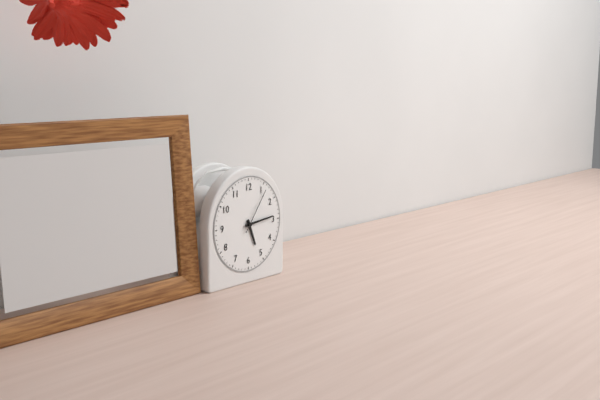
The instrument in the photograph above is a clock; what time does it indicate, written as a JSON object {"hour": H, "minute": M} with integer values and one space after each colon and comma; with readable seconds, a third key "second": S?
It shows {"hour": 5, "minute": 14}
